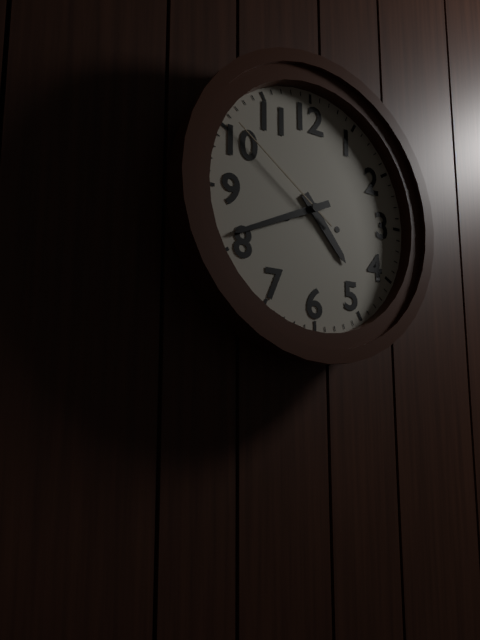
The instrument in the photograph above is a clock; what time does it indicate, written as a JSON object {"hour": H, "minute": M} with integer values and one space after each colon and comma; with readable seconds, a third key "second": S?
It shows {"hour": 4, "minute": 41, "second": 51}
